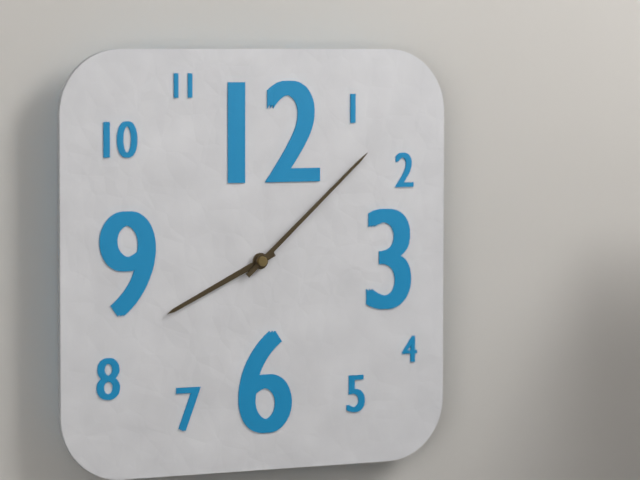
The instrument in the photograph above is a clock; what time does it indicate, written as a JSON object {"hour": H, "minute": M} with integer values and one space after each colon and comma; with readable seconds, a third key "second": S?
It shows {"hour": 8, "minute": 8}
